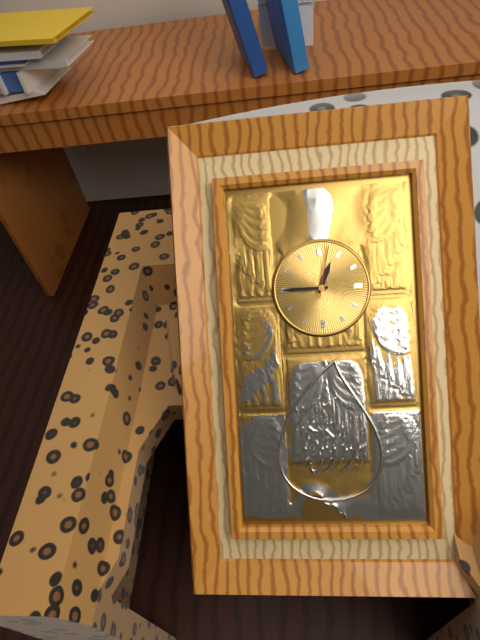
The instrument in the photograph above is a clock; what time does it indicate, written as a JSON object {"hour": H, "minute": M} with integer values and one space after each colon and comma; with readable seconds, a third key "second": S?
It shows {"hour": 12, "minute": 45, "second": 2}
